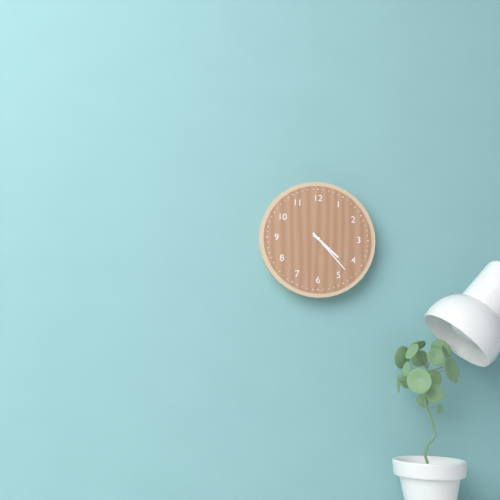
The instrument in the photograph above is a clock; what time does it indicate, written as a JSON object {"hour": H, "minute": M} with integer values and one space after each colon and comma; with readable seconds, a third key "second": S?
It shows {"hour": 4, "minute": 23}
